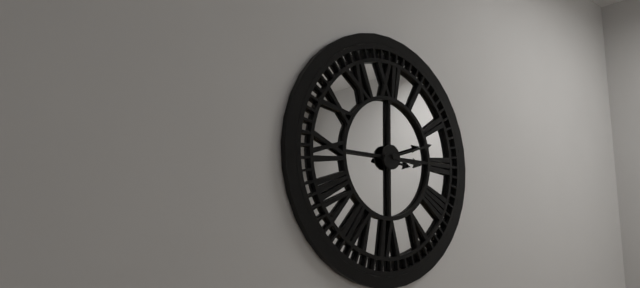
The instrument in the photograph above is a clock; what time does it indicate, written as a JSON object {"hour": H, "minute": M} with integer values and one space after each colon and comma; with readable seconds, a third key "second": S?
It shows {"hour": 3, "minute": 12}
